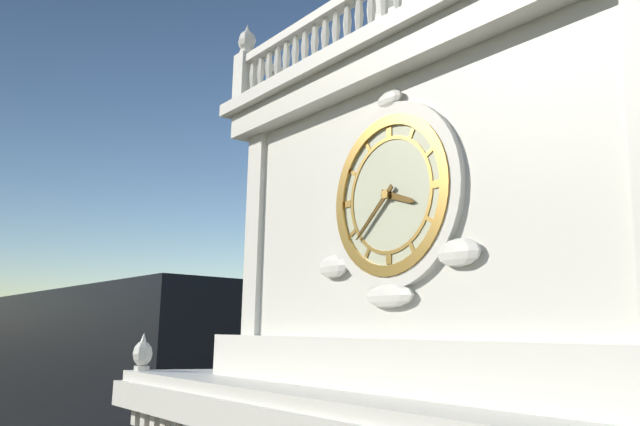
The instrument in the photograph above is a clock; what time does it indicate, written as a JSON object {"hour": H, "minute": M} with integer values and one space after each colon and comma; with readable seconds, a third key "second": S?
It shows {"hour": 3, "minute": 38}
